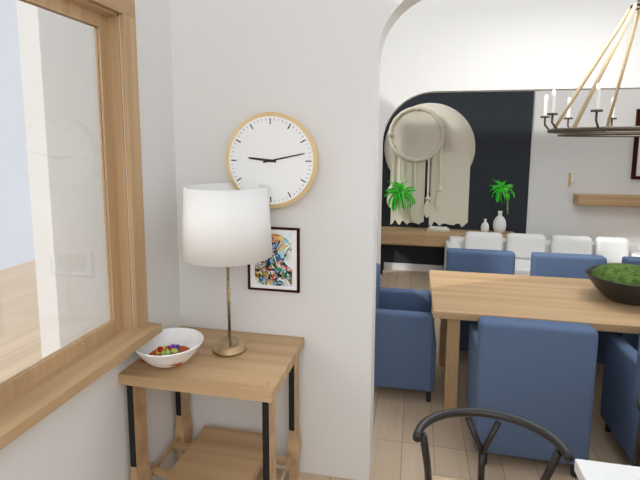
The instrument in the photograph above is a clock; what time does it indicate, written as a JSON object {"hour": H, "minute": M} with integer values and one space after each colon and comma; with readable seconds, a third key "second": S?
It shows {"hour": 9, "minute": 13}
